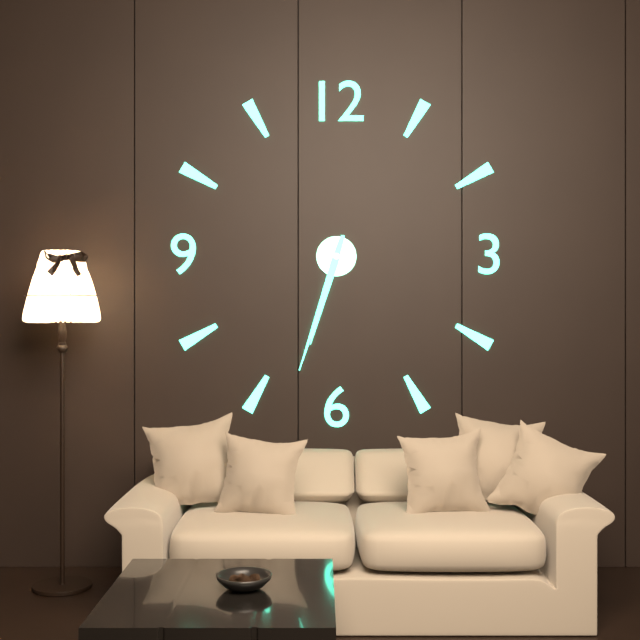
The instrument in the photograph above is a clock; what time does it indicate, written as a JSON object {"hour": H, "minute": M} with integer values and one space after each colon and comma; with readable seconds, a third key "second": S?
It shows {"hour": 6, "minute": 33}
